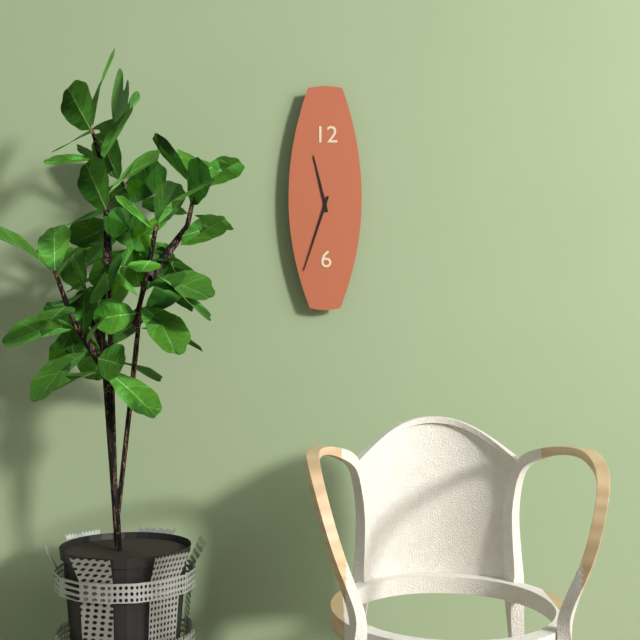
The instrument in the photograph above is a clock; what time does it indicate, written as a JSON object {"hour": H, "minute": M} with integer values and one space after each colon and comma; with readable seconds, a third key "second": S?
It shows {"hour": 11, "minute": 33}
